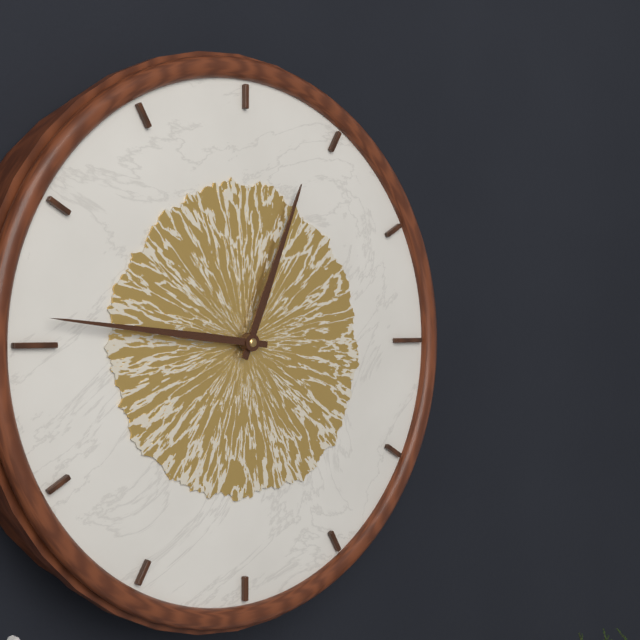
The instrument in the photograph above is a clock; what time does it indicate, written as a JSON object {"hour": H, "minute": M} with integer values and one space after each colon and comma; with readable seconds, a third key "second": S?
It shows {"hour": 12, "minute": 46}
